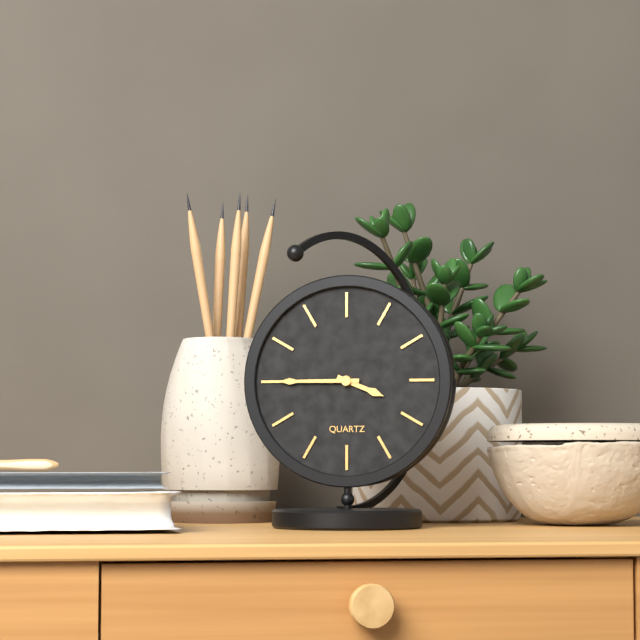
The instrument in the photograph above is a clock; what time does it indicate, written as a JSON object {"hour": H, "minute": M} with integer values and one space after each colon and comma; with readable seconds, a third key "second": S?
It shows {"hour": 3, "minute": 45}
